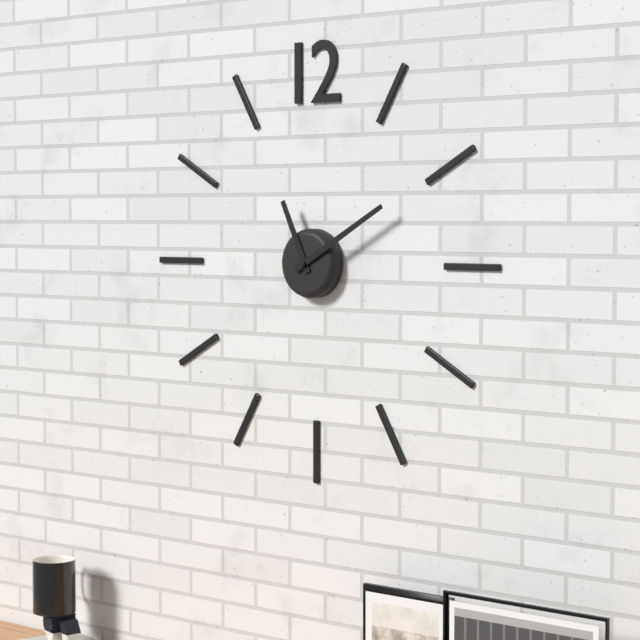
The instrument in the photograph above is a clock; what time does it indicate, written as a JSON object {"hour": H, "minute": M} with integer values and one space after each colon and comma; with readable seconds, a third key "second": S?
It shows {"hour": 11, "minute": 10}
